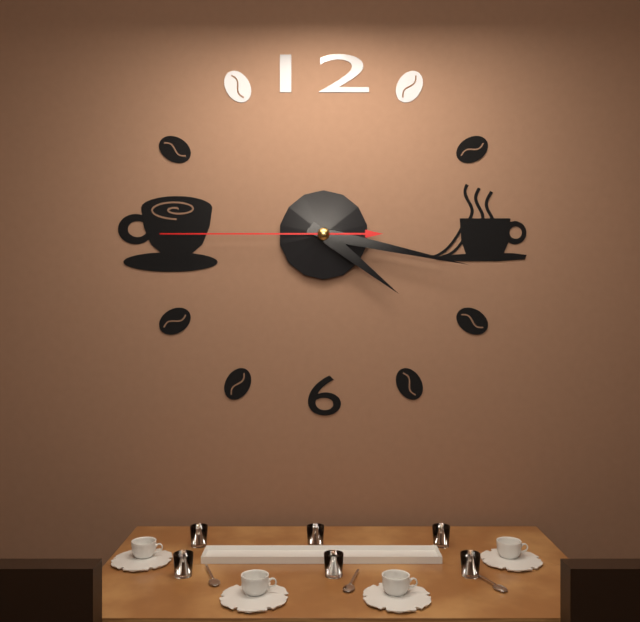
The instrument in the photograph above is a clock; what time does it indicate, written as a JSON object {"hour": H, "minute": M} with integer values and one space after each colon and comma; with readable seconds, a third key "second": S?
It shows {"hour": 4, "minute": 17, "second": 45}
